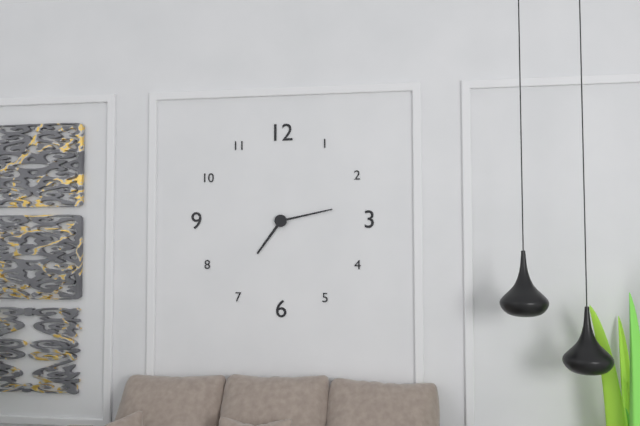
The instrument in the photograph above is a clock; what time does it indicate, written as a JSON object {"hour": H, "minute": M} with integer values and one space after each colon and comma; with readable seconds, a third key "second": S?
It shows {"hour": 7, "minute": 13}
